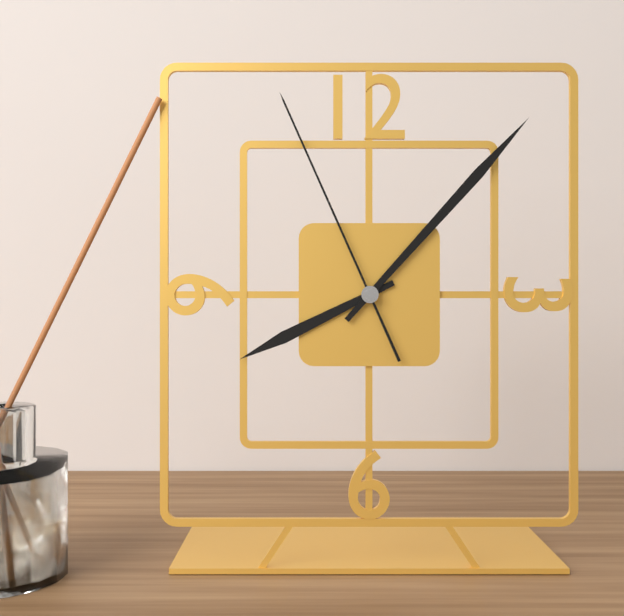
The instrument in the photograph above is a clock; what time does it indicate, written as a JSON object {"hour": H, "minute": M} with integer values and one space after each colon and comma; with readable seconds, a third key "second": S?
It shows {"hour": 8, "minute": 7, "second": 56}
